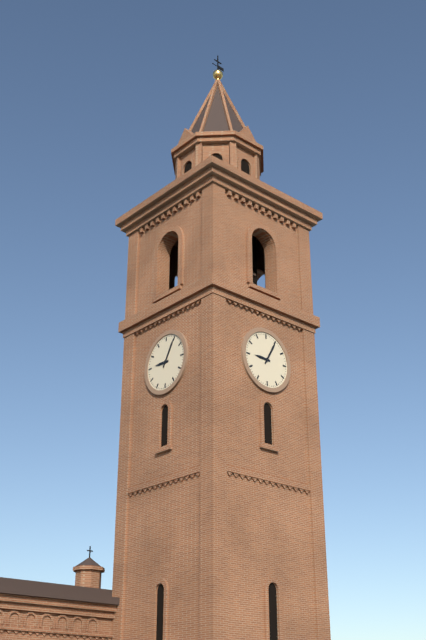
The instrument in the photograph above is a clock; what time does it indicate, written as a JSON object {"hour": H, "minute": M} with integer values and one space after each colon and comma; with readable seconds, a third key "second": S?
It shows {"hour": 9, "minute": 5}
